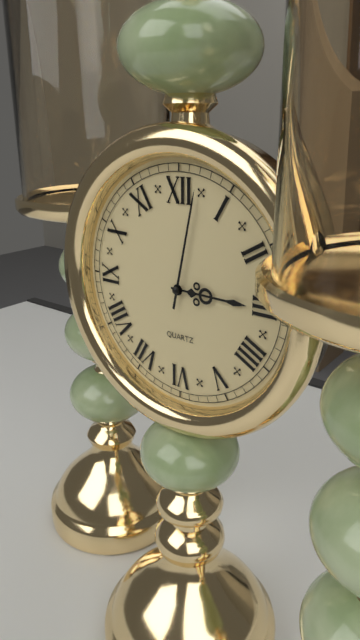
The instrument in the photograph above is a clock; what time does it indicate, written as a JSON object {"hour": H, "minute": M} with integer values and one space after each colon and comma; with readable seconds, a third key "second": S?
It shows {"hour": 3, "minute": 2}
